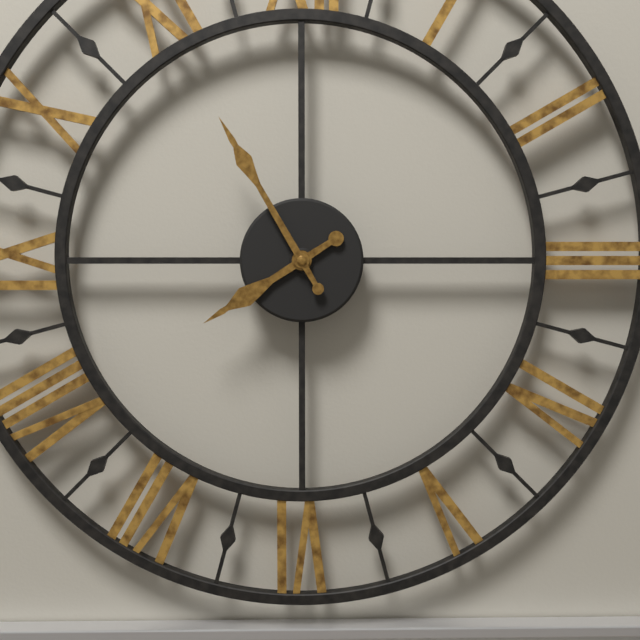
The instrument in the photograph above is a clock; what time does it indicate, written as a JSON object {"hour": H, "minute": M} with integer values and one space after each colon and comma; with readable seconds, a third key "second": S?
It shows {"hour": 7, "minute": 55}
